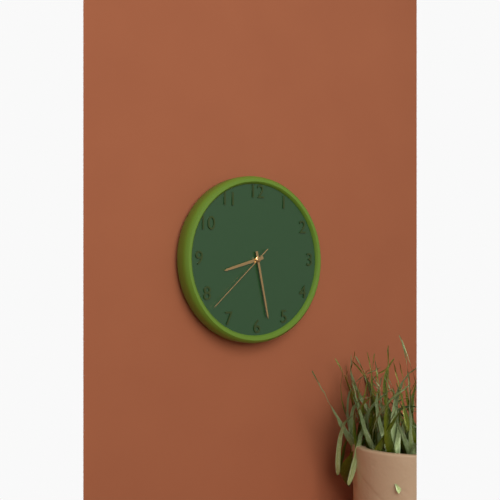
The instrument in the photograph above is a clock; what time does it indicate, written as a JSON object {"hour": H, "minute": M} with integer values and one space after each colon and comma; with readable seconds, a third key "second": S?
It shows {"hour": 8, "minute": 28, "second": 38}
